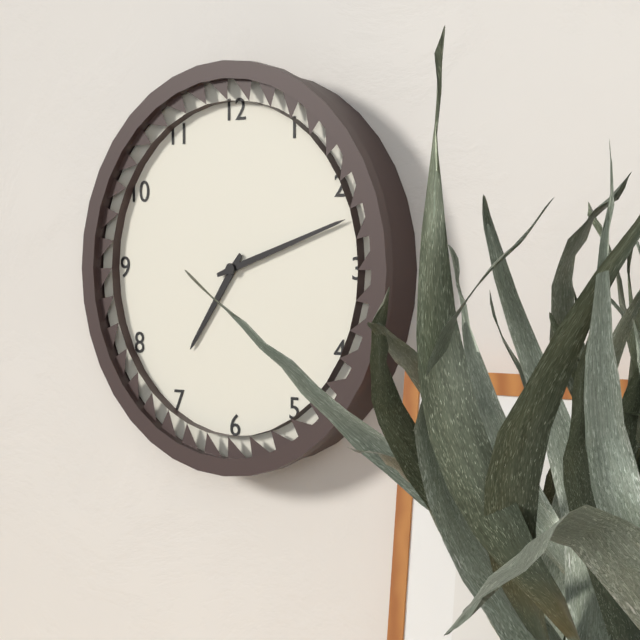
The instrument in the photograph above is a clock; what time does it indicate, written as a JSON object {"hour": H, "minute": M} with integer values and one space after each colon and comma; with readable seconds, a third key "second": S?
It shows {"hour": 7, "minute": 12}
